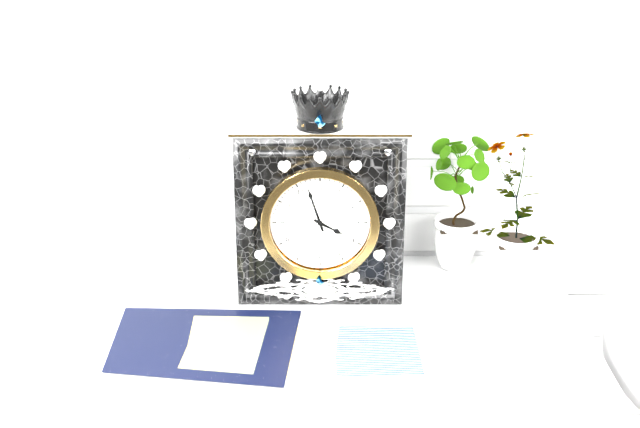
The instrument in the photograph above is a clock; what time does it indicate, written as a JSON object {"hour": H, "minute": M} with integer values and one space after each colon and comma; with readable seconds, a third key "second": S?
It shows {"hour": 3, "minute": 57}
